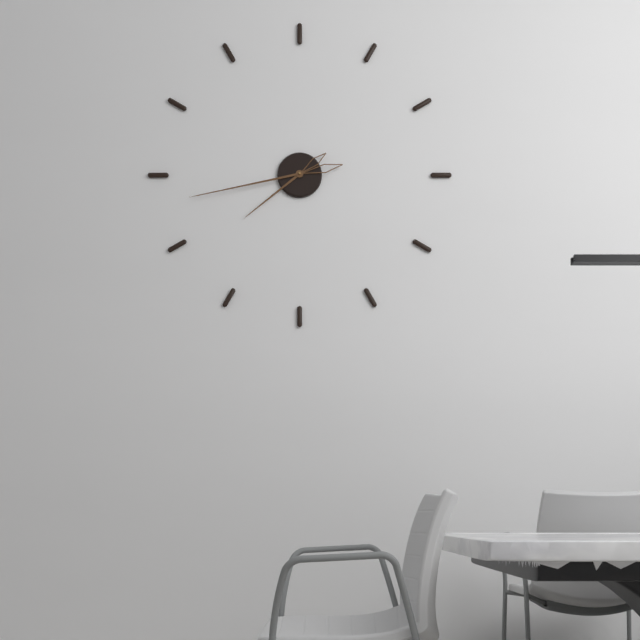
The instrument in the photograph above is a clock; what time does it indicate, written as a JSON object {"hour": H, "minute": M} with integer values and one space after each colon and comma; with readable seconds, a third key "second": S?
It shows {"hour": 7, "minute": 43}
